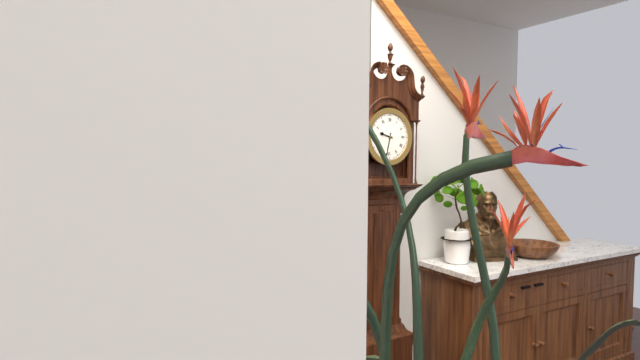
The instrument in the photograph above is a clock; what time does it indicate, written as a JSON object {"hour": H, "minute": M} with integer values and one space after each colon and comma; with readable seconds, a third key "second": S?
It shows {"hour": 9, "minute": 32}
